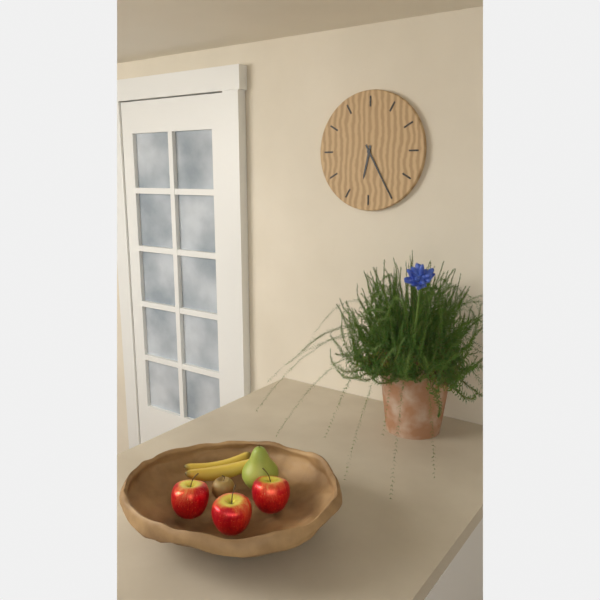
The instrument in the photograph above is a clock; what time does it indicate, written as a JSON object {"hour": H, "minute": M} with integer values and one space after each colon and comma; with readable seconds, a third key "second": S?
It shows {"hour": 6, "minute": 25}
